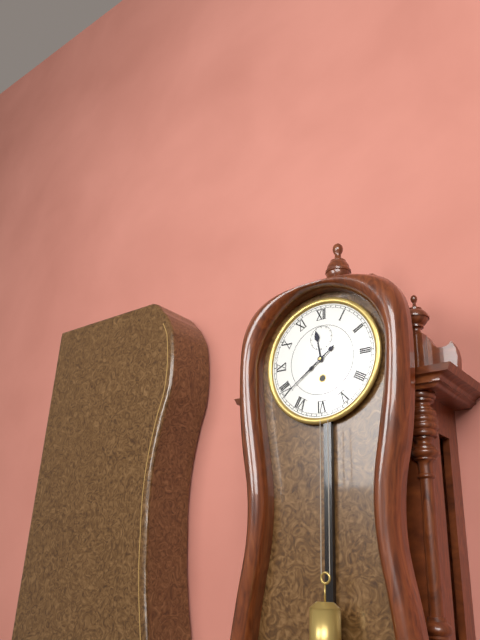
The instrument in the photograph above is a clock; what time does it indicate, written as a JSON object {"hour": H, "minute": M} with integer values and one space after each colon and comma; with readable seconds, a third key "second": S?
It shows {"hour": 11, "minute": 39}
